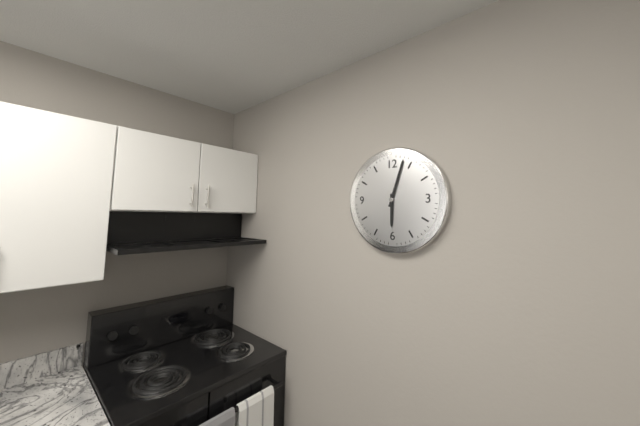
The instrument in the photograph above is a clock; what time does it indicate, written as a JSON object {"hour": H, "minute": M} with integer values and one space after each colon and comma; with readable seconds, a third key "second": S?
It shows {"hour": 6, "minute": 3}
